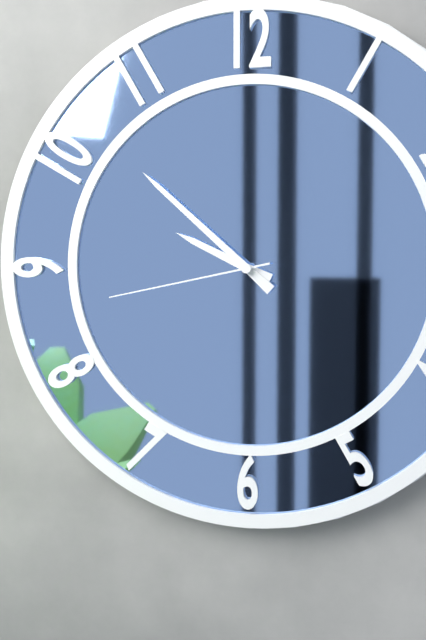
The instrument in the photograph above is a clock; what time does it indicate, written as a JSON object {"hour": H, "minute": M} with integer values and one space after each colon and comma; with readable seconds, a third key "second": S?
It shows {"hour": 9, "minute": 52, "second": 43}
